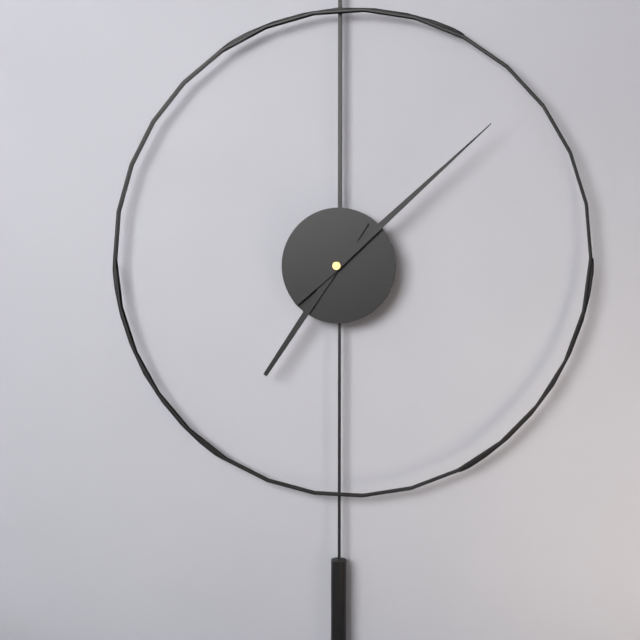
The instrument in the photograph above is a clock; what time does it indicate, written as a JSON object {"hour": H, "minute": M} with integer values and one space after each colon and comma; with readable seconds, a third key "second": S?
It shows {"hour": 7, "minute": 8}
